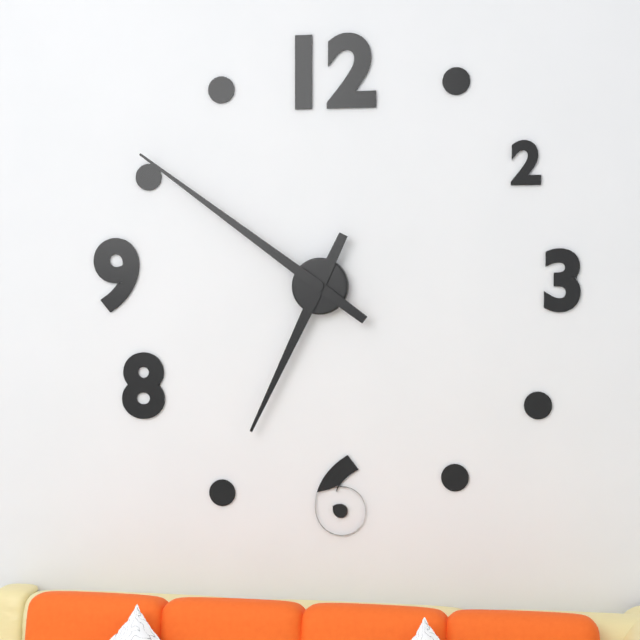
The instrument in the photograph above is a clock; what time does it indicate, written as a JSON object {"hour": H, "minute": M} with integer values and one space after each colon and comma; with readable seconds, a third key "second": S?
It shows {"hour": 6, "minute": 51}
